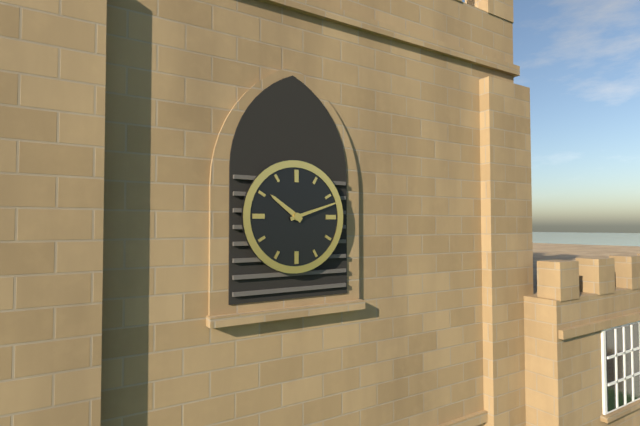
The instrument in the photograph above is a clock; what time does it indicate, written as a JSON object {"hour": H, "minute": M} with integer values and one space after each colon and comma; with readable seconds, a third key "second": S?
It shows {"hour": 10, "minute": 12}
